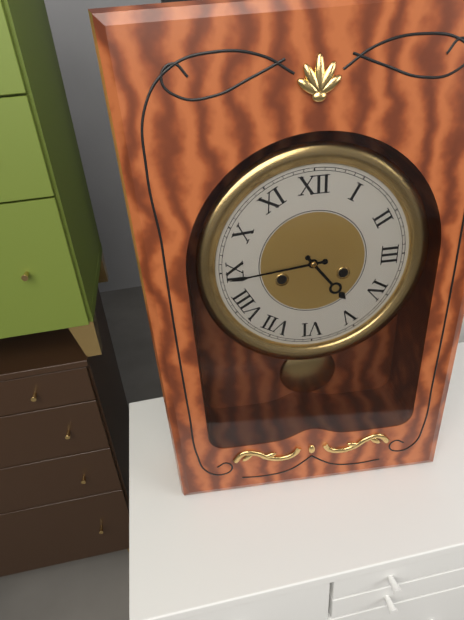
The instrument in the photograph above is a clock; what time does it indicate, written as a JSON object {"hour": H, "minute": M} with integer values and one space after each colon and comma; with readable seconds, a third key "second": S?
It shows {"hour": 4, "minute": 44}
